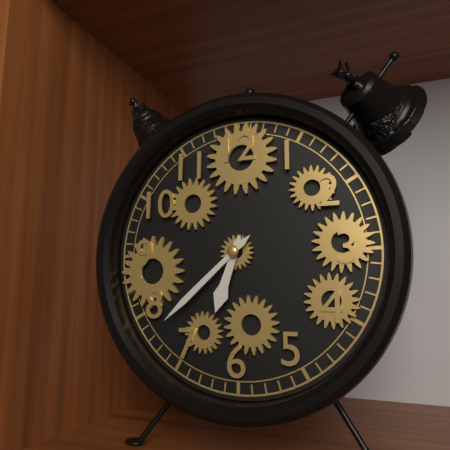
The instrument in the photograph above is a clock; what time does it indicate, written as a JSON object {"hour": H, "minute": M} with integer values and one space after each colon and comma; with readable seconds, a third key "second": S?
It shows {"hour": 6, "minute": 38}
